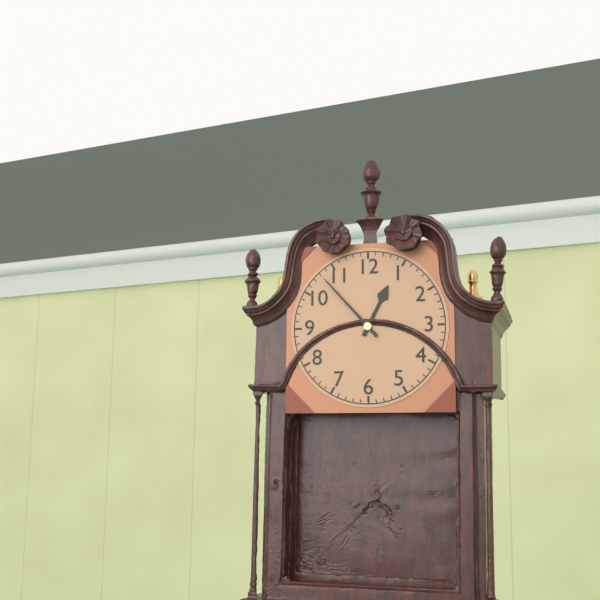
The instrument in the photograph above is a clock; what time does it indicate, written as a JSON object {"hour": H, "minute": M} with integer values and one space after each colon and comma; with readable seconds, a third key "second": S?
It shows {"hour": 12, "minute": 53}
